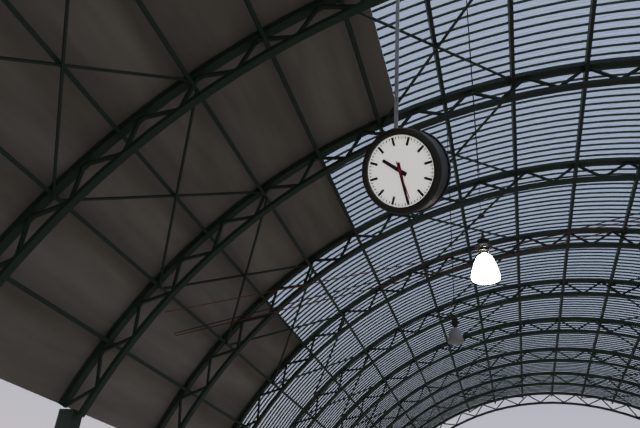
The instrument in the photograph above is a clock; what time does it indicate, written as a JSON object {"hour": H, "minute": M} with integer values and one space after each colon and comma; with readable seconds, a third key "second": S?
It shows {"hour": 10, "minute": 30}
